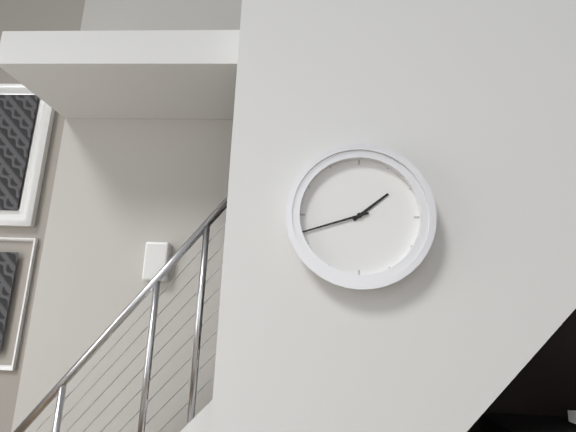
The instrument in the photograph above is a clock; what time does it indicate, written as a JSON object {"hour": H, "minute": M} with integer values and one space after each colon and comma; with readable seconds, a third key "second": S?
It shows {"hour": 1, "minute": 42}
